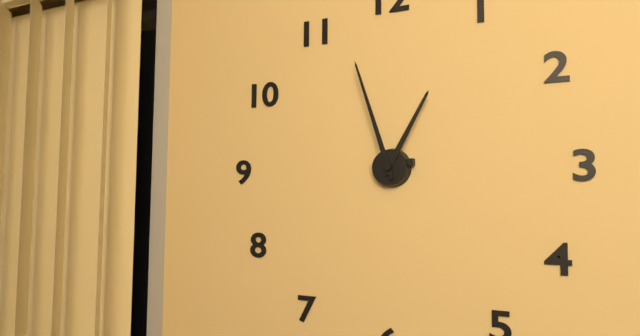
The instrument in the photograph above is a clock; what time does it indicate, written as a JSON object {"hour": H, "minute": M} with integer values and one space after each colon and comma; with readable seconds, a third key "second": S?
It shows {"hour": 12, "minute": 57}
